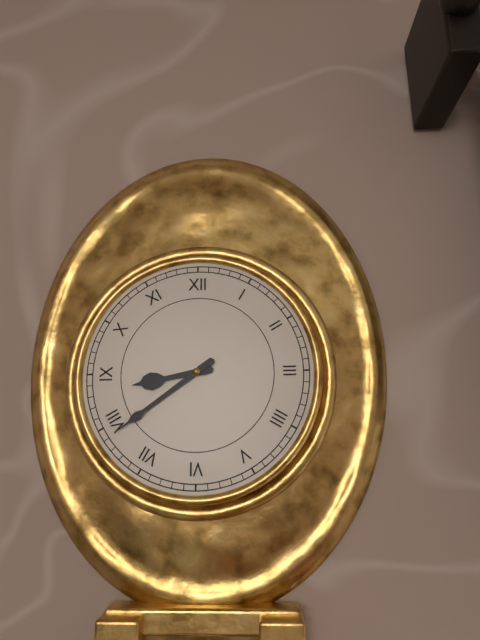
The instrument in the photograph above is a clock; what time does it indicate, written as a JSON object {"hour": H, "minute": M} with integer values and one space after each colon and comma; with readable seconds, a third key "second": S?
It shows {"hour": 8, "minute": 39}
